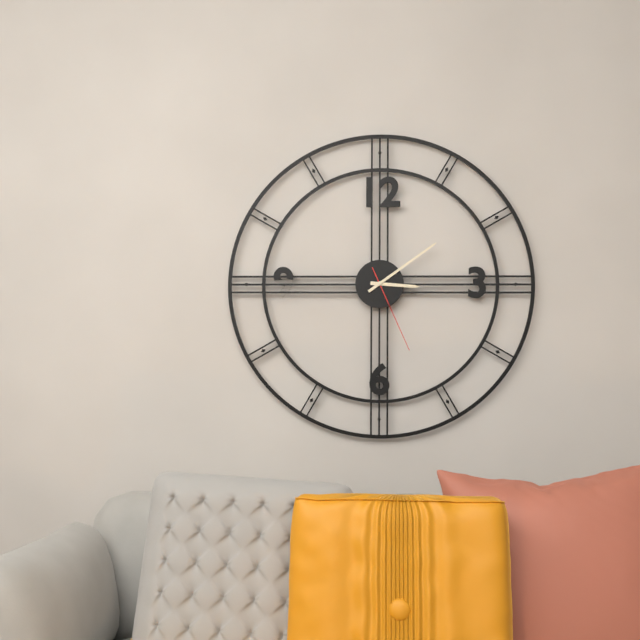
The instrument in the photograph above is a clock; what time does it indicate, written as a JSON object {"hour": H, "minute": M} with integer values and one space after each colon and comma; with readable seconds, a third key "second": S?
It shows {"hour": 3, "minute": 9, "second": 26}
